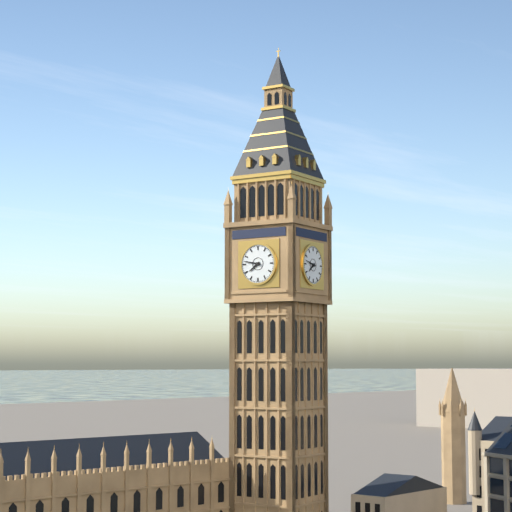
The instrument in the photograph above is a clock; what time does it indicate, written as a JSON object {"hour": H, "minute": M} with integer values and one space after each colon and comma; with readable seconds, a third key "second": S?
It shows {"hour": 7, "minute": 47}
